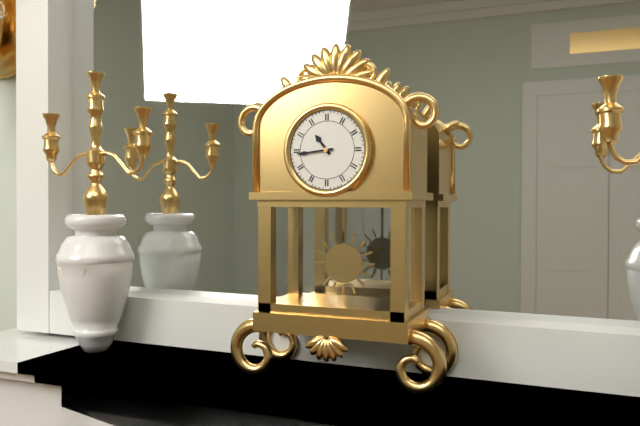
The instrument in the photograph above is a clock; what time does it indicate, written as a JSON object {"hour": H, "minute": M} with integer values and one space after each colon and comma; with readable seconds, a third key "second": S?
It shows {"hour": 10, "minute": 44}
